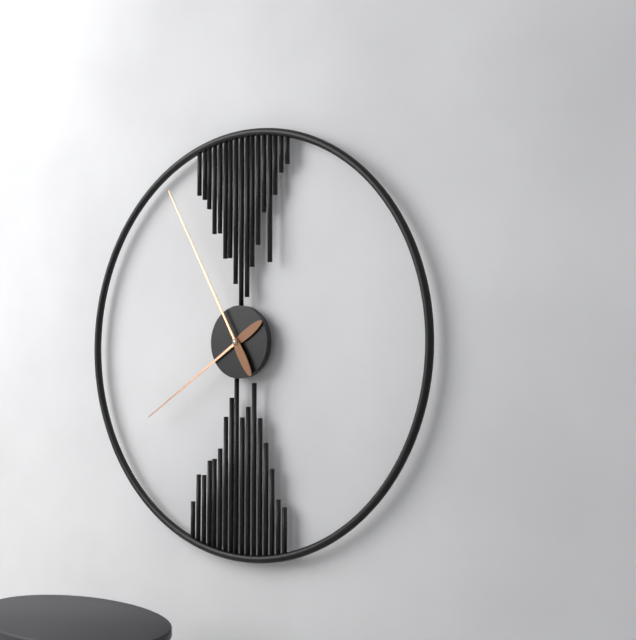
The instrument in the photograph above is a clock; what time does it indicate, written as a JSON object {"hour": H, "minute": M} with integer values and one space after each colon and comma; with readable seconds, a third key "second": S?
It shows {"hour": 7, "minute": 55}
